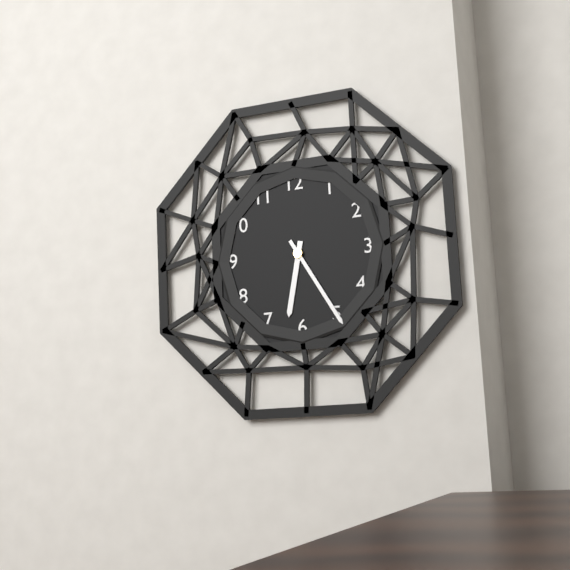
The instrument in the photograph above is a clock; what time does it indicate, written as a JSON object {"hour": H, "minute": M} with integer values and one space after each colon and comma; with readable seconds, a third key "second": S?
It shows {"hour": 6, "minute": 25}
